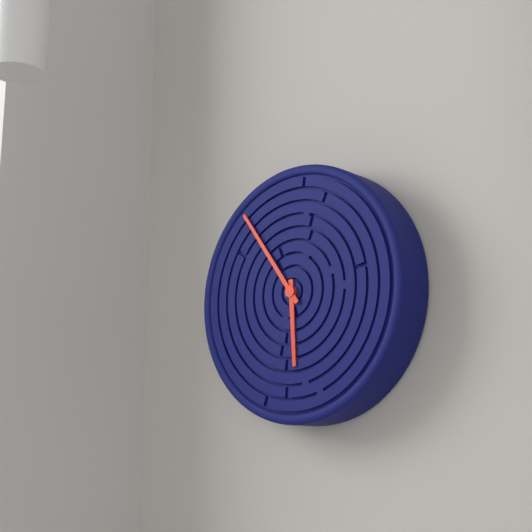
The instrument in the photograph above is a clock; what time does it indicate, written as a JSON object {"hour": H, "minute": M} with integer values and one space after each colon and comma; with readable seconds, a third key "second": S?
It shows {"hour": 5, "minute": 54}
